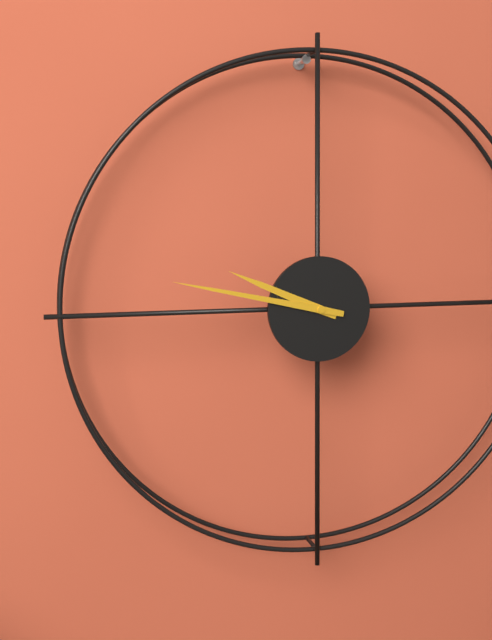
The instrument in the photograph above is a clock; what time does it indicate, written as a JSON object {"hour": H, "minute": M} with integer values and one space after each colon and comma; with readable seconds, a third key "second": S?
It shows {"hour": 9, "minute": 47}
